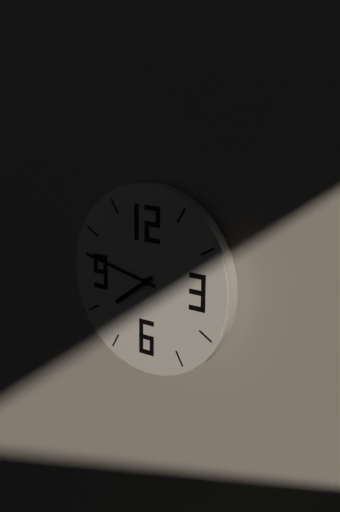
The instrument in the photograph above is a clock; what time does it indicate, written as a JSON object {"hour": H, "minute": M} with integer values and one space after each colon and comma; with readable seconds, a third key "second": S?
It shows {"hour": 7, "minute": 47}
